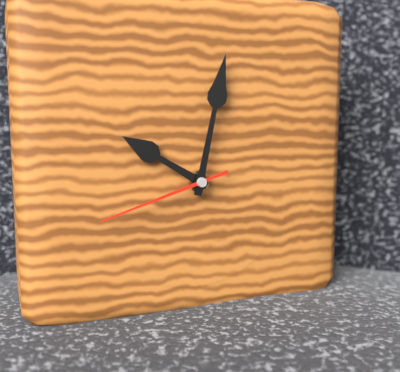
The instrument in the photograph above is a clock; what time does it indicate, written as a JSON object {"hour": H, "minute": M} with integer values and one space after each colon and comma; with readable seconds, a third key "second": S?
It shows {"hour": 10, "minute": 2, "second": 42}
